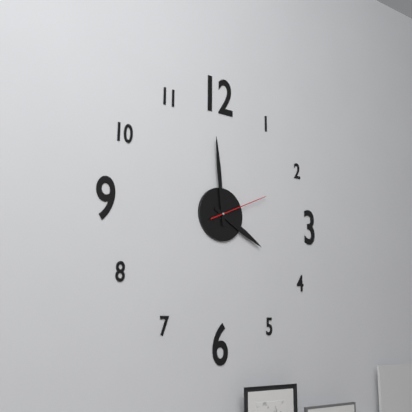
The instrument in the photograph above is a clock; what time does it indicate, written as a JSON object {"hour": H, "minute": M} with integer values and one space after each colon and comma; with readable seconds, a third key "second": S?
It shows {"hour": 3, "minute": 59, "second": 11}
